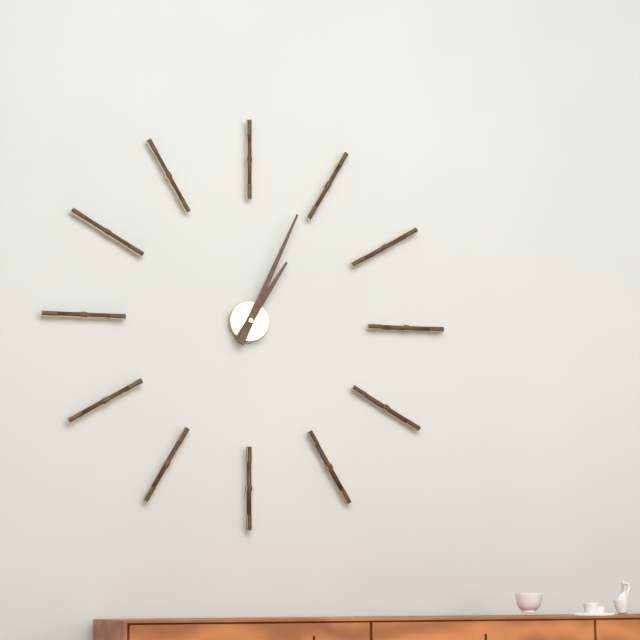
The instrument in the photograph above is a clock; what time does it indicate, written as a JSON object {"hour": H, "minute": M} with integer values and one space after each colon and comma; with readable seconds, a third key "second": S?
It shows {"hour": 1, "minute": 4}
